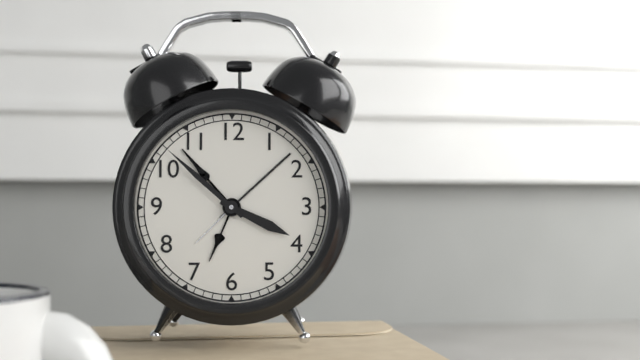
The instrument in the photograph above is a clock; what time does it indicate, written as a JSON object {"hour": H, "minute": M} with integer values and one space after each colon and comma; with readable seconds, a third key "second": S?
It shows {"hour": 3, "minute": 52}
